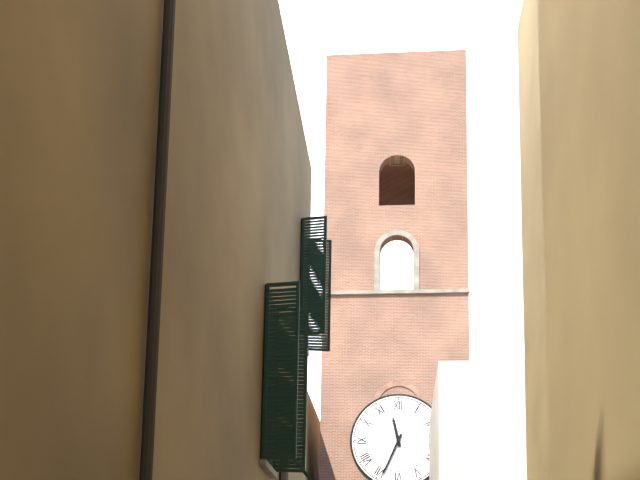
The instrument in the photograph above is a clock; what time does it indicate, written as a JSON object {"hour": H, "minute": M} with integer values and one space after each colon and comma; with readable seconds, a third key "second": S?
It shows {"hour": 11, "minute": 34}
